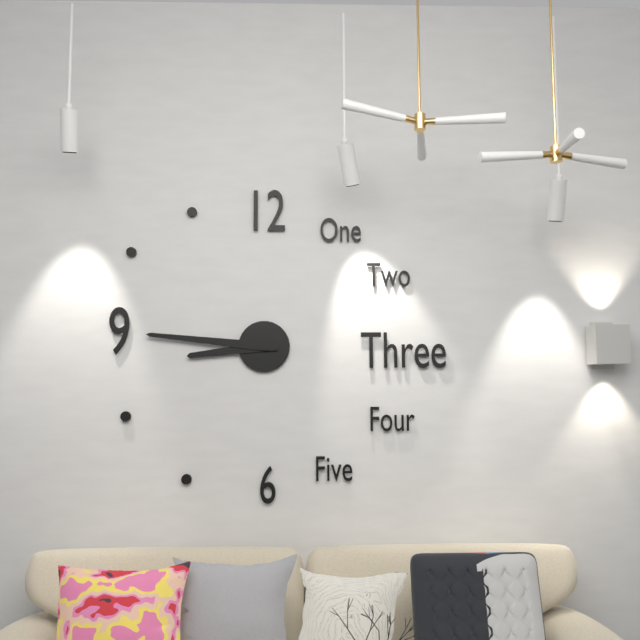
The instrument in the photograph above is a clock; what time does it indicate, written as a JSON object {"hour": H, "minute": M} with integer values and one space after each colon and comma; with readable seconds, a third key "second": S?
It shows {"hour": 8, "minute": 46}
